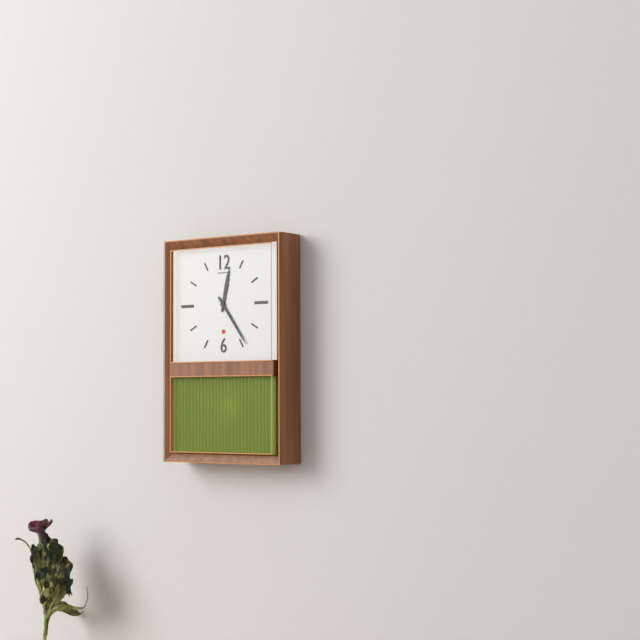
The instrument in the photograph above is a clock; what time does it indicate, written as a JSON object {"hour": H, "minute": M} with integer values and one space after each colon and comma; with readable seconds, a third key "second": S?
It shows {"hour": 12, "minute": 24}
